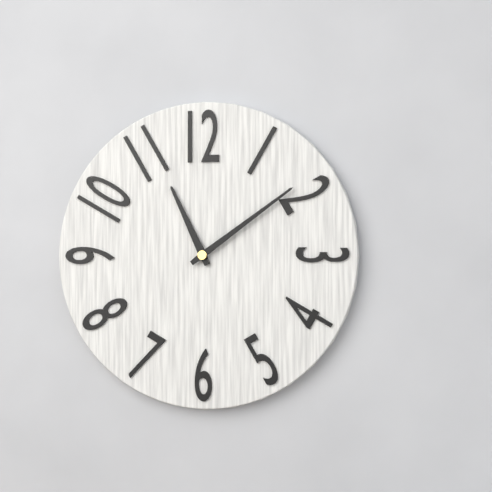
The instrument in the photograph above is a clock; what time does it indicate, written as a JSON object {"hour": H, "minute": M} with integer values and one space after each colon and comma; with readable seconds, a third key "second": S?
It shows {"hour": 11, "minute": 9}
